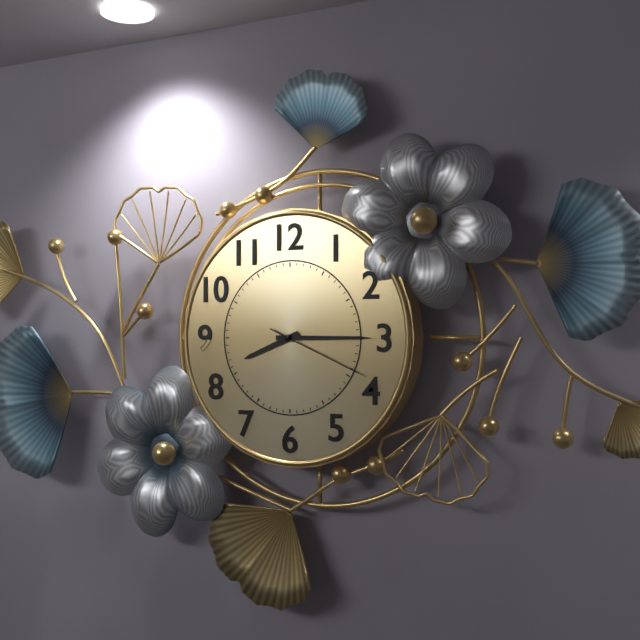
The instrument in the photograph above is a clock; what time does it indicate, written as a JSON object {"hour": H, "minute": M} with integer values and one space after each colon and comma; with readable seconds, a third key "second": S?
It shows {"hour": 8, "minute": 15, "second": 19}
